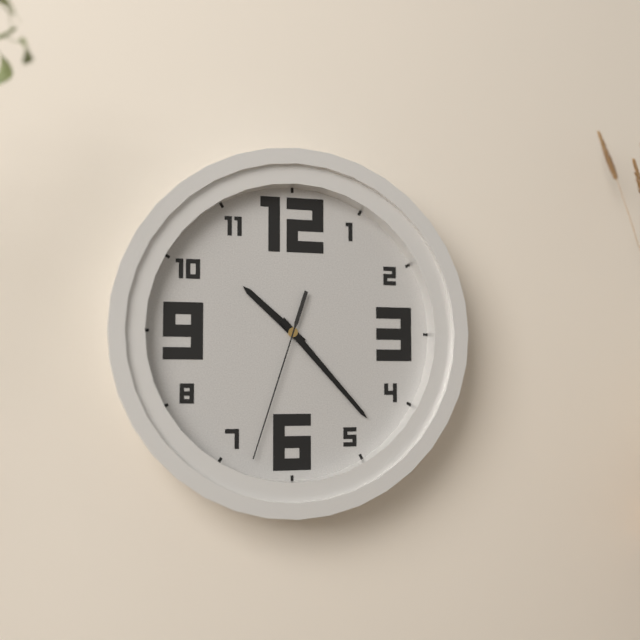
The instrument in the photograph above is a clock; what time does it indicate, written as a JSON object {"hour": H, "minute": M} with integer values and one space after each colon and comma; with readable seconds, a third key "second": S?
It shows {"hour": 10, "minute": 23, "second": 33}
